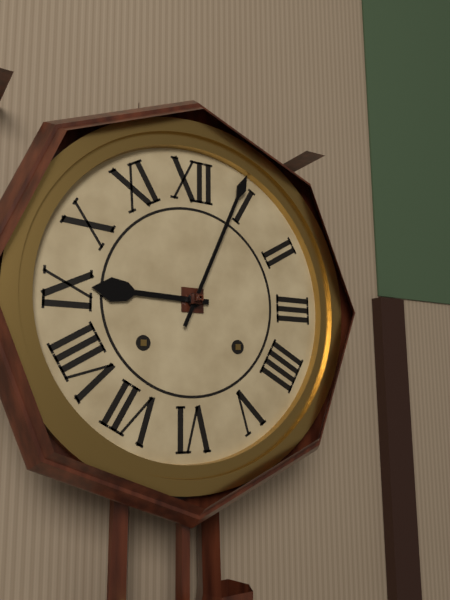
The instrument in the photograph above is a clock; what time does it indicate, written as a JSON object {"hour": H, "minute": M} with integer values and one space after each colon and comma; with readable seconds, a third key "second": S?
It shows {"hour": 9, "minute": 4}
